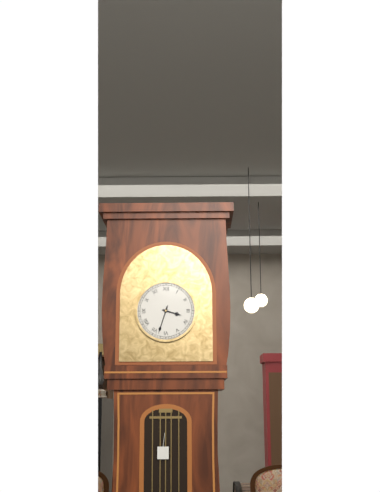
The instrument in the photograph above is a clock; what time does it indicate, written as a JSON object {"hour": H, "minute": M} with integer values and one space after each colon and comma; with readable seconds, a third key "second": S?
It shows {"hour": 3, "minute": 33}
